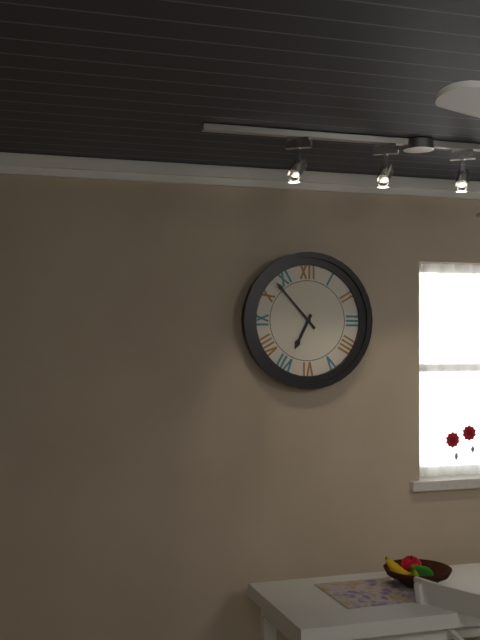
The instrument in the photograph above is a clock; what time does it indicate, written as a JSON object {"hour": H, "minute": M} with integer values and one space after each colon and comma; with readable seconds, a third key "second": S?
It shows {"hour": 6, "minute": 53}
